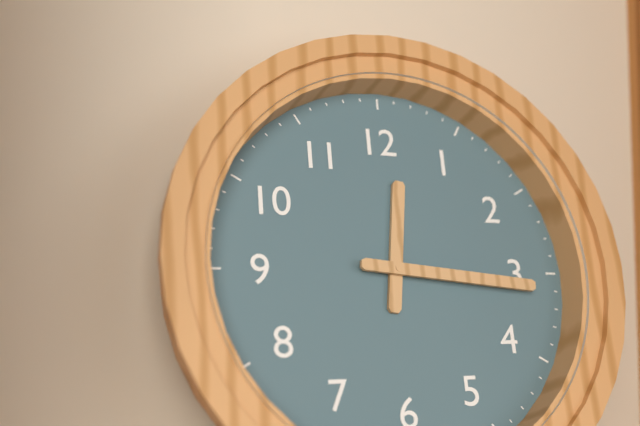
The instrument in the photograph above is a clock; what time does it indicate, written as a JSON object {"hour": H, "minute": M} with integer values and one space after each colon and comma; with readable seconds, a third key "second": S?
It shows {"hour": 12, "minute": 16}
